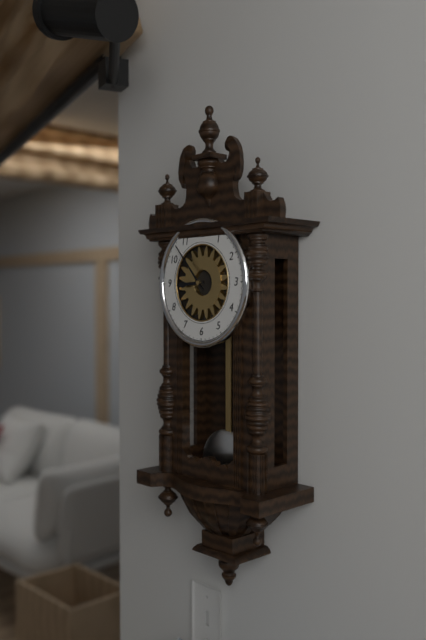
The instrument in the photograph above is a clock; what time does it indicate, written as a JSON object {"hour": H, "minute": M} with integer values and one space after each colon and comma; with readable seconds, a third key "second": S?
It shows {"hour": 8, "minute": 53}
